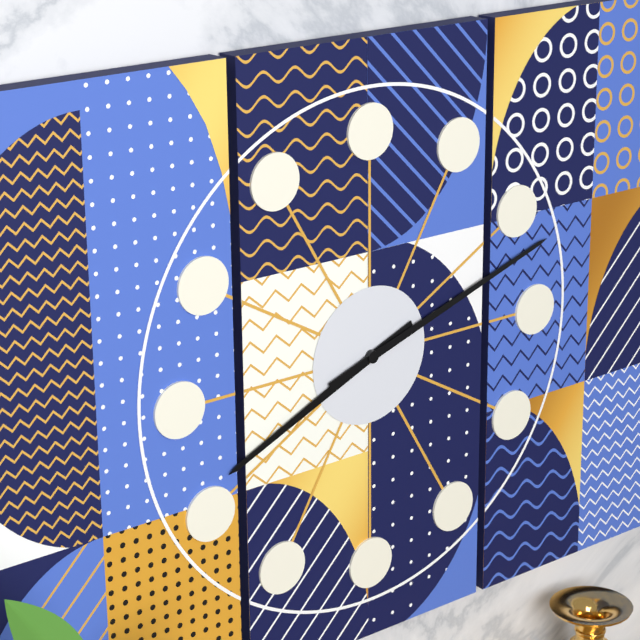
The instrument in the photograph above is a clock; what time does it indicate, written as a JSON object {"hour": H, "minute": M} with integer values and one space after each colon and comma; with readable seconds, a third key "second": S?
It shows {"hour": 8, "minute": 12}
